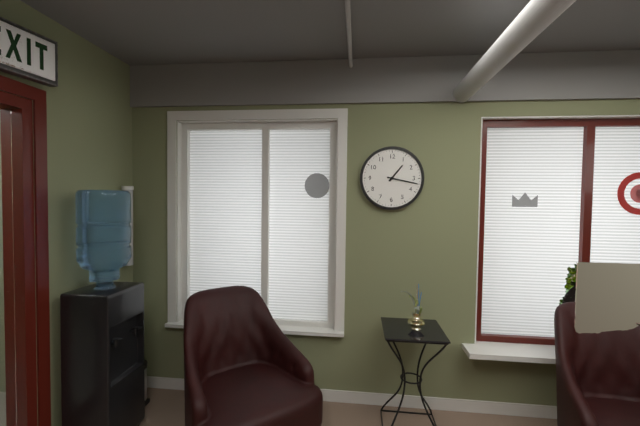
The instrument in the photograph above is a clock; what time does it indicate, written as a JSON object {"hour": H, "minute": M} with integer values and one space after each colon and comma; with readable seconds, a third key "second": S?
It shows {"hour": 1, "minute": 17}
